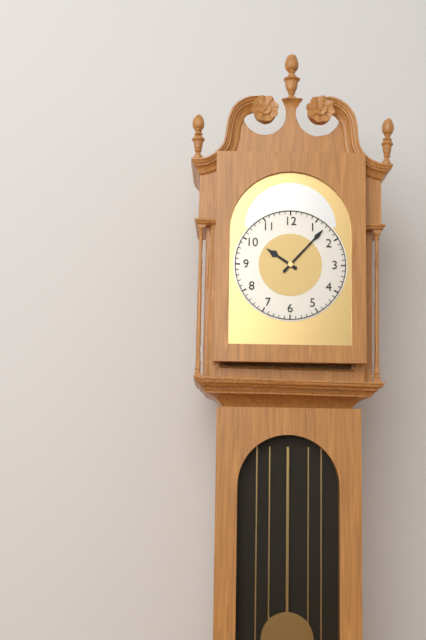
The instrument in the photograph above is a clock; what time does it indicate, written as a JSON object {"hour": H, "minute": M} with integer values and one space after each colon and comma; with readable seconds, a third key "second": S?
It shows {"hour": 10, "minute": 7}
